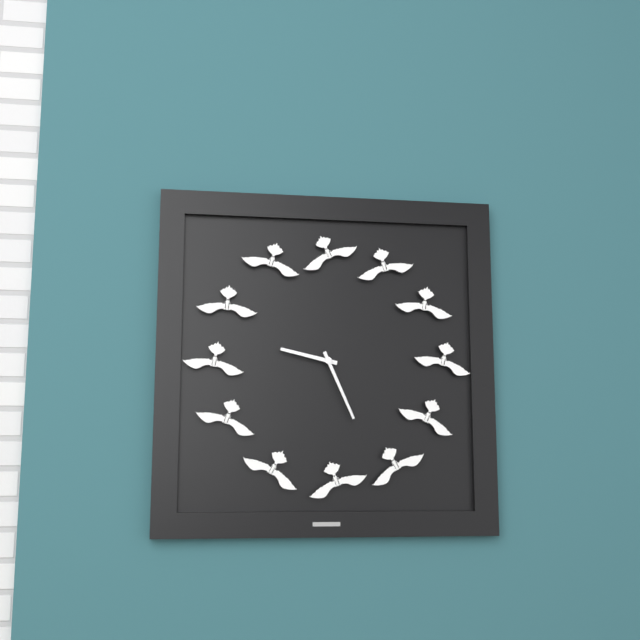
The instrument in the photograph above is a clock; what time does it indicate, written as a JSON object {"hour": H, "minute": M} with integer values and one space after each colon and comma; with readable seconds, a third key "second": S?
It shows {"hour": 9, "minute": 26}
